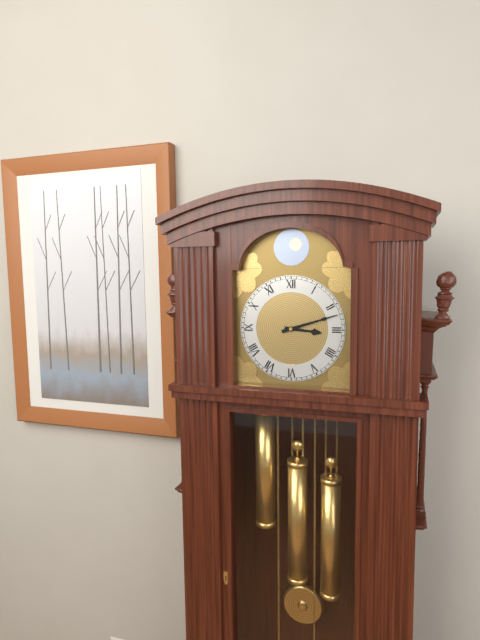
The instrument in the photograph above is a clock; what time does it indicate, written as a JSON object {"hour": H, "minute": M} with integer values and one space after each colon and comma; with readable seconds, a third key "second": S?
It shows {"hour": 3, "minute": 12}
